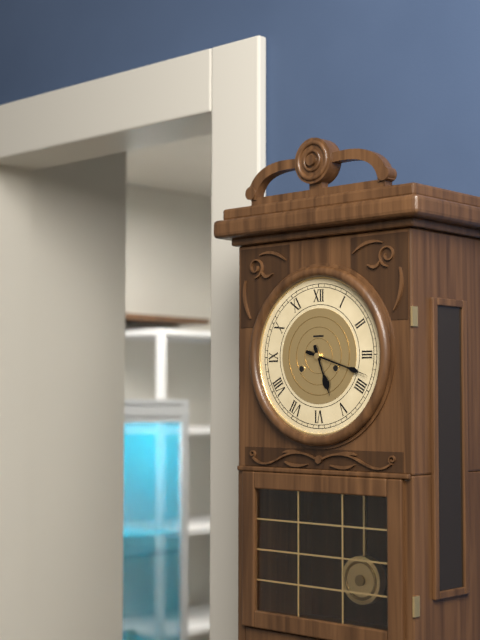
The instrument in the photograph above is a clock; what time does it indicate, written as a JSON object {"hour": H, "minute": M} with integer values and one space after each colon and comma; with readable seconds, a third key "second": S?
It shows {"hour": 5, "minute": 18}
